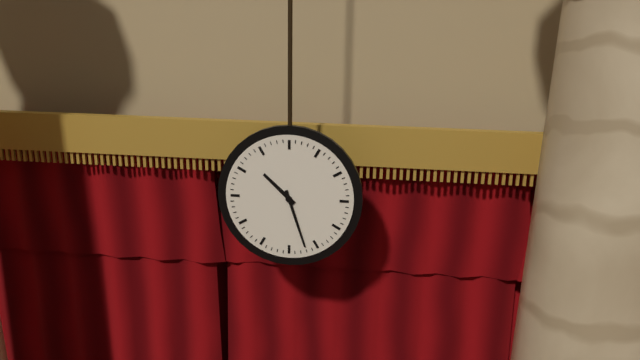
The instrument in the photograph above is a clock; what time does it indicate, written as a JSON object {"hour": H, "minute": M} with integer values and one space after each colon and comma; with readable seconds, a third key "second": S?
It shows {"hour": 10, "minute": 27}
